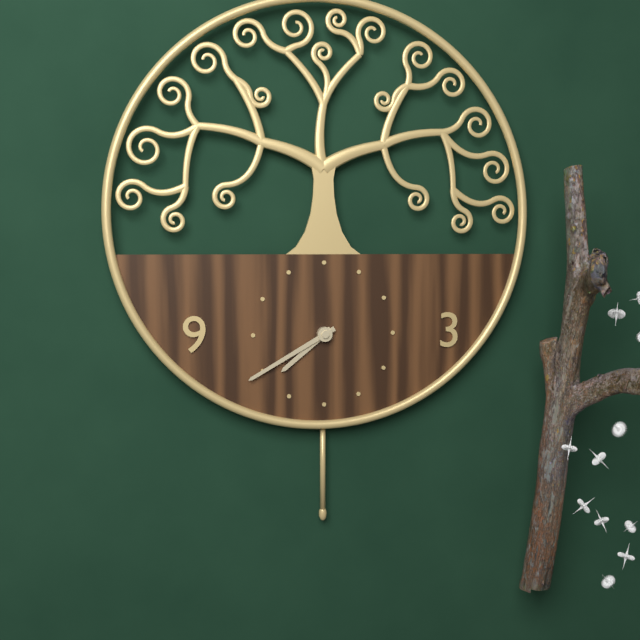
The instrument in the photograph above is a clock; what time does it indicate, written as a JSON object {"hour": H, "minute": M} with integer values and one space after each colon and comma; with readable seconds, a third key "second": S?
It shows {"hour": 7, "minute": 40}
